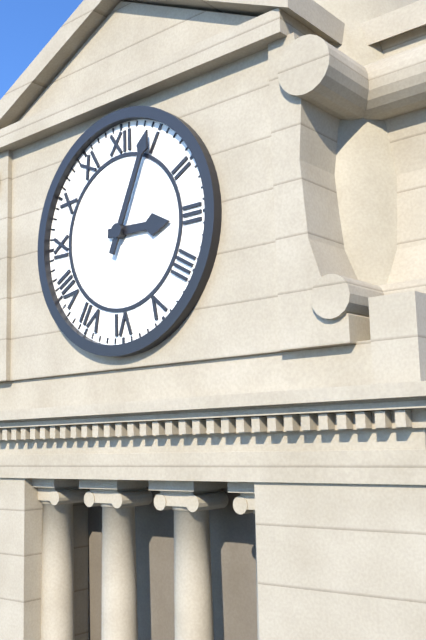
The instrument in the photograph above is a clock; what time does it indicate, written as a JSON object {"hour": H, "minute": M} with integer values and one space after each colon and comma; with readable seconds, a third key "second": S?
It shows {"hour": 3, "minute": 4}
